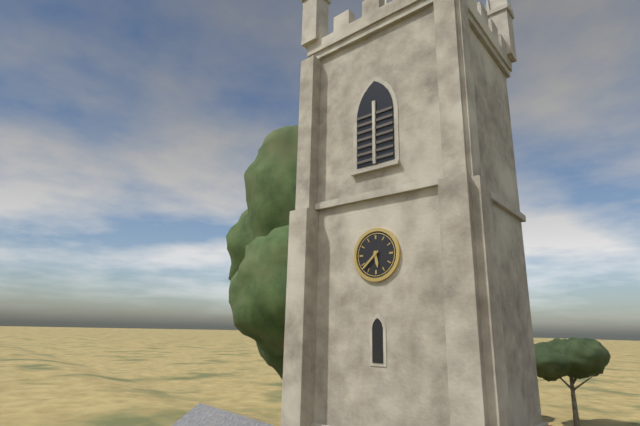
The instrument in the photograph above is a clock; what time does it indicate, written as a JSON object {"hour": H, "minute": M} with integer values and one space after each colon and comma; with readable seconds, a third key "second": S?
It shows {"hour": 5, "minute": 38}
